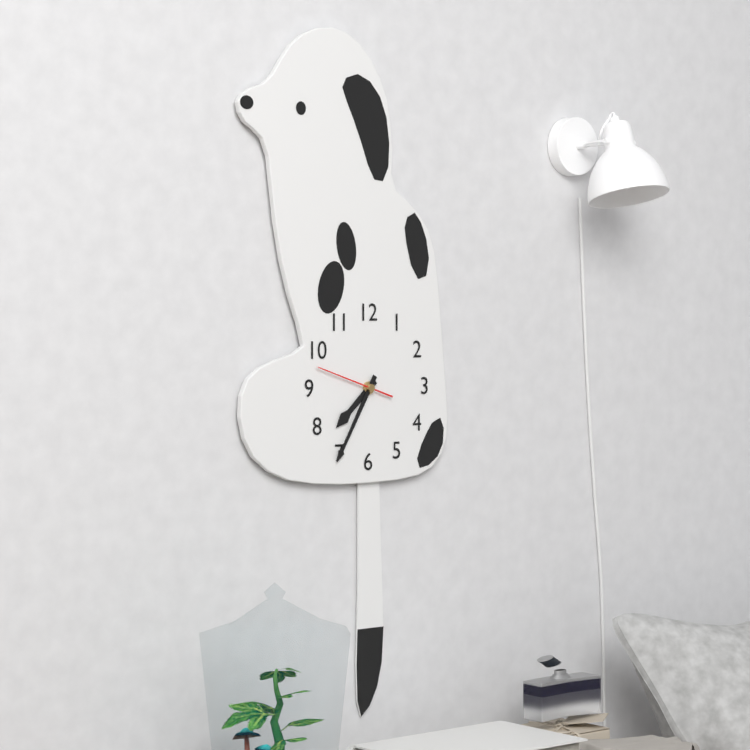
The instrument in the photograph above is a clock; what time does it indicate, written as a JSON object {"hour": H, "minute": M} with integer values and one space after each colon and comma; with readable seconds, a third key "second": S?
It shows {"hour": 7, "minute": 35, "second": 48}
